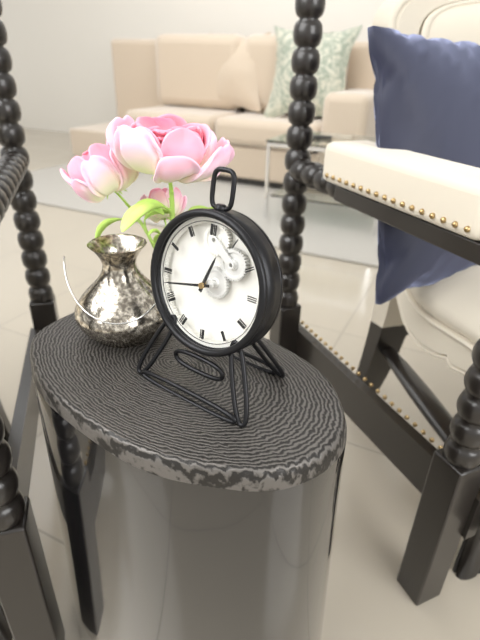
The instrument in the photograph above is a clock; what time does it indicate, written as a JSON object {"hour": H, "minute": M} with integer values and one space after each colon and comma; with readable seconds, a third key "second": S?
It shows {"hour": 12, "minute": 43}
